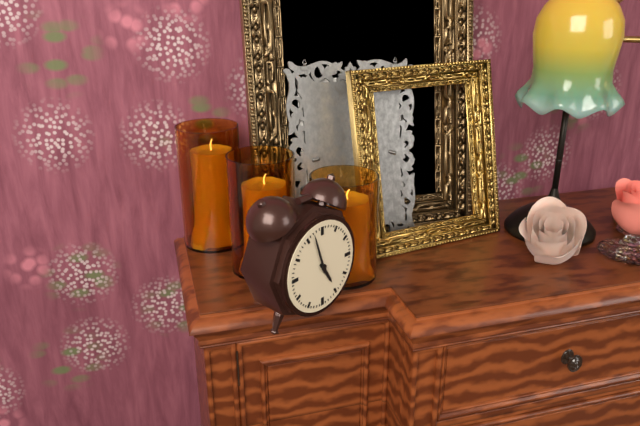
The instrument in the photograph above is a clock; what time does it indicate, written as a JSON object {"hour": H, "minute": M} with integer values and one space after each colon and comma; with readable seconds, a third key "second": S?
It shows {"hour": 4, "minute": 57}
